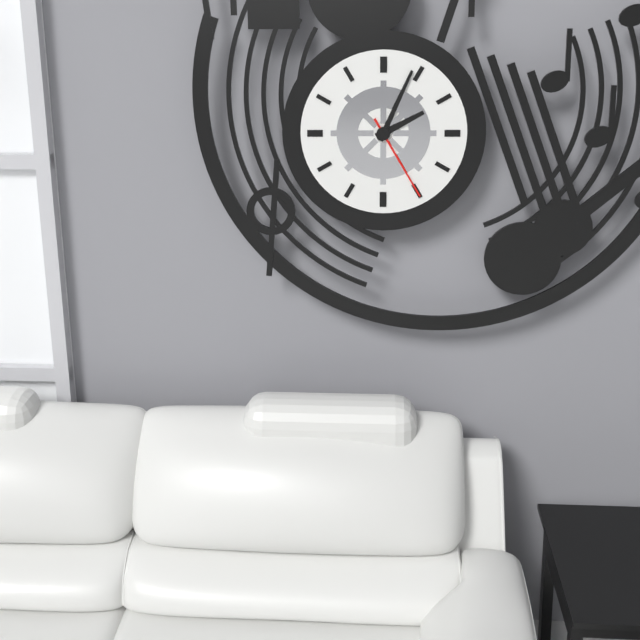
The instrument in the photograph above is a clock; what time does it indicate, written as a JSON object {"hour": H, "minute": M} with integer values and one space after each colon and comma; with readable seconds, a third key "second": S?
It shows {"hour": 2, "minute": 4, "second": 25}
